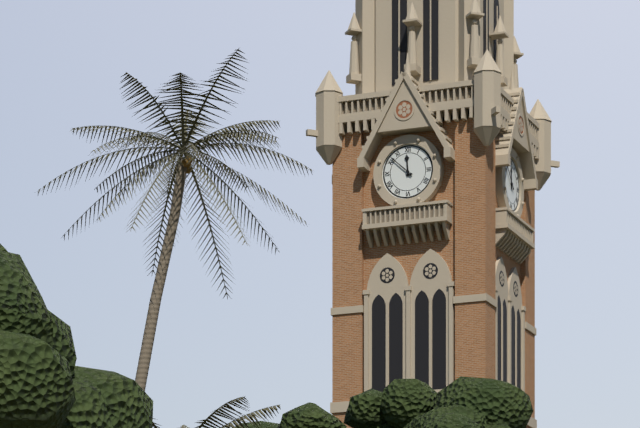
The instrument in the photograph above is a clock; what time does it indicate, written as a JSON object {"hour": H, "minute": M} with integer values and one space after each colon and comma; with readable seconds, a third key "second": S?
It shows {"hour": 11, "minute": 52}
